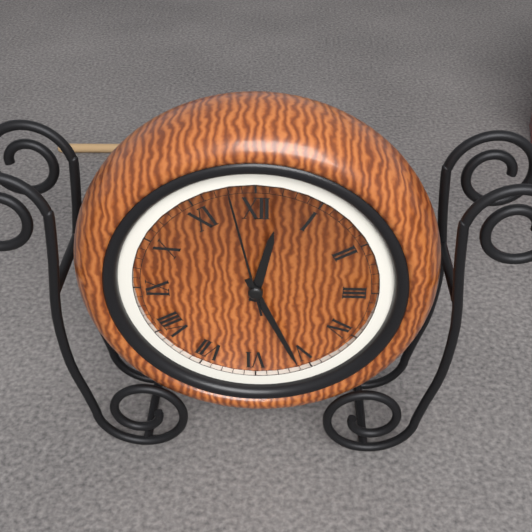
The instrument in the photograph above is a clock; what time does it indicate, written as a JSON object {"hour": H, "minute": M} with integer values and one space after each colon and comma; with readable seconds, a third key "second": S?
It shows {"hour": 12, "minute": 26, "second": 58}
